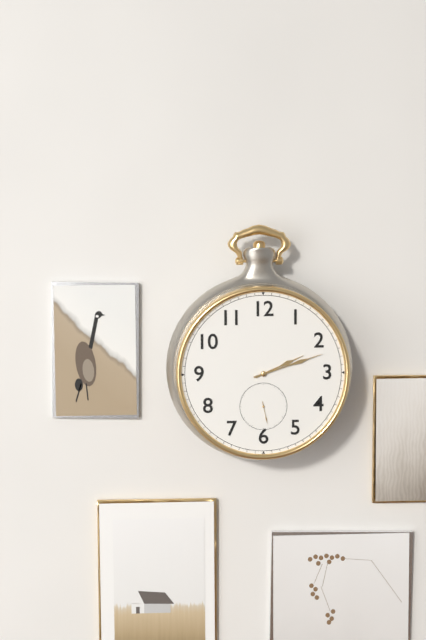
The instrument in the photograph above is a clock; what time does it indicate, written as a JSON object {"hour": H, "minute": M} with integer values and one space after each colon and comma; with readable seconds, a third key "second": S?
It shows {"hour": 2, "minute": 12}
